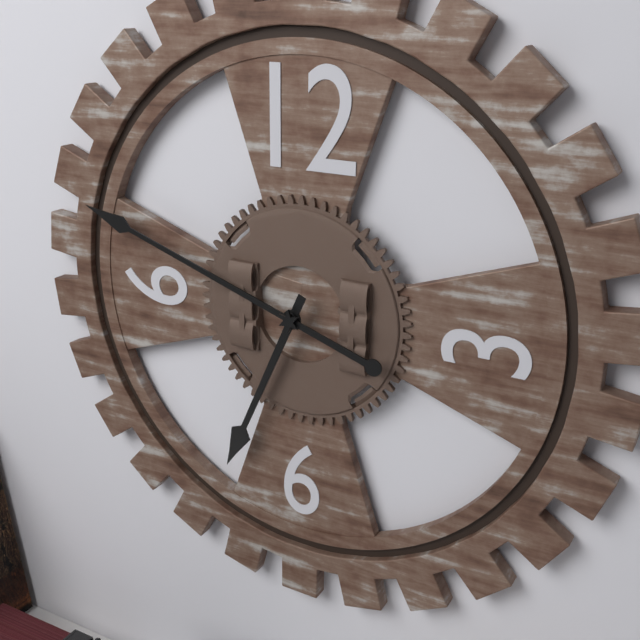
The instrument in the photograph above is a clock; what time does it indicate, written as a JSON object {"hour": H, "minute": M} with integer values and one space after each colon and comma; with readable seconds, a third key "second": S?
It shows {"hour": 6, "minute": 48}
